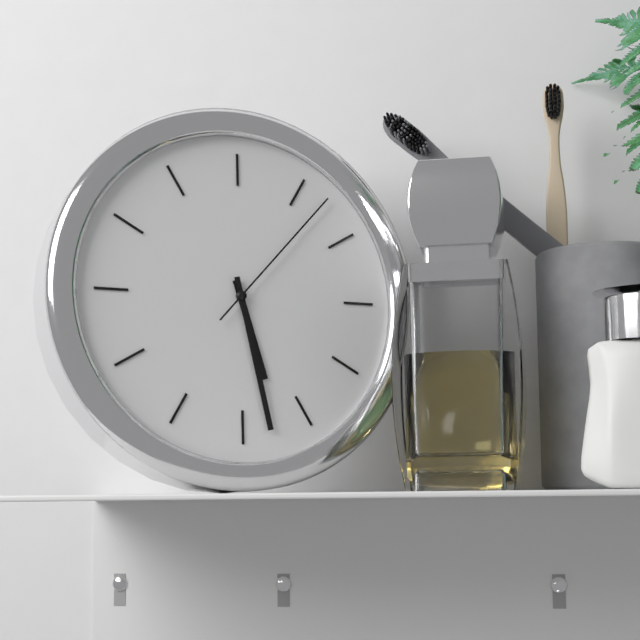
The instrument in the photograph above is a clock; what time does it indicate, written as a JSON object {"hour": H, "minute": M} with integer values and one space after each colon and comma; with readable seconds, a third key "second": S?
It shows {"hour": 5, "minute": 28, "second": 7}
